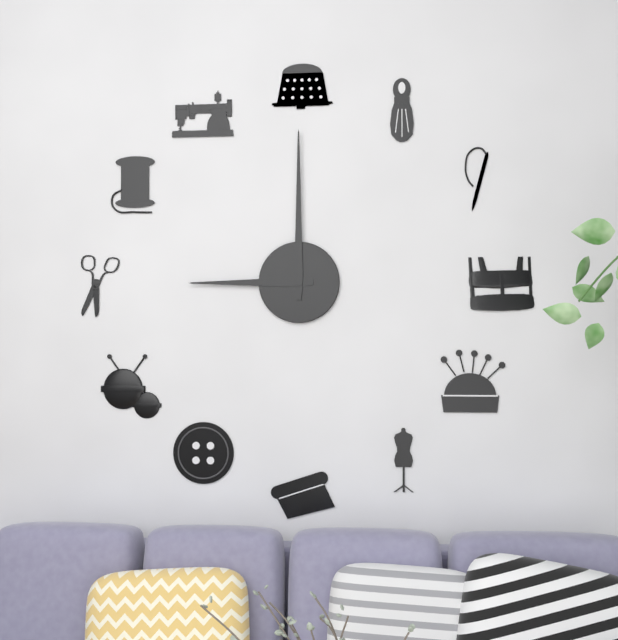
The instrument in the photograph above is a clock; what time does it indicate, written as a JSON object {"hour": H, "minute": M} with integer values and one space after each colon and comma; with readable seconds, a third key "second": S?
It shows {"hour": 9, "minute": 0}
